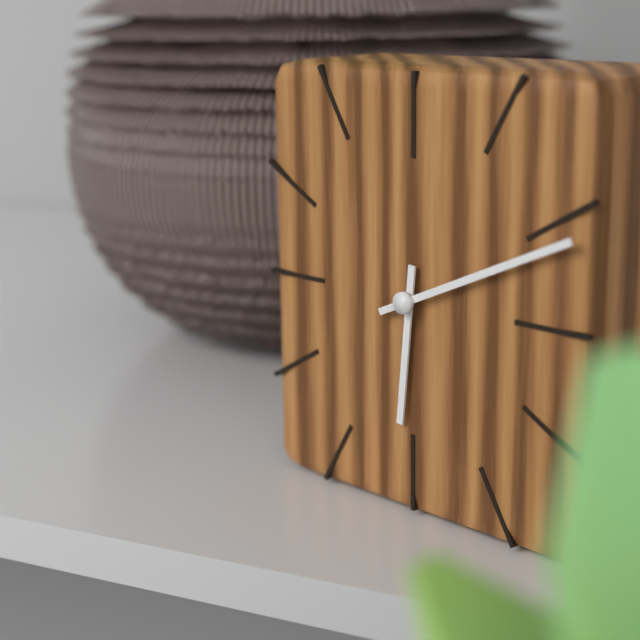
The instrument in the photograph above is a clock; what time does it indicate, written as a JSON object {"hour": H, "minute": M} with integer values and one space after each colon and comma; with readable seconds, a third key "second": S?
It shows {"hour": 6, "minute": 11}
